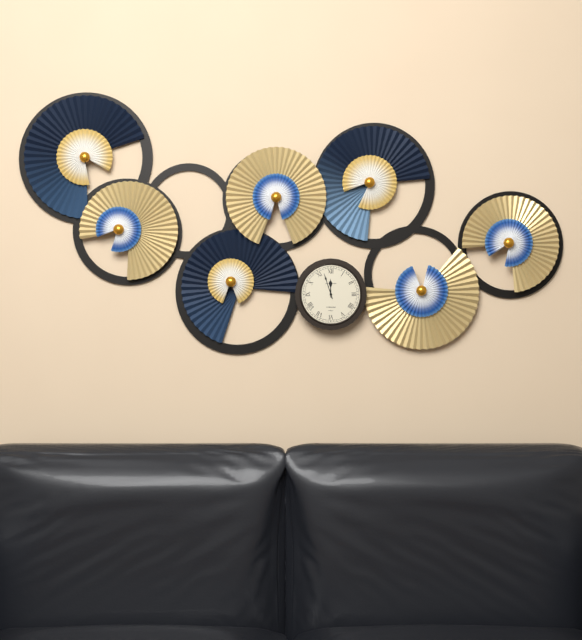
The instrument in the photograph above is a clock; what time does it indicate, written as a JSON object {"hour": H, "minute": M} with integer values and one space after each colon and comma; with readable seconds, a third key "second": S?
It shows {"hour": 11, "minute": 57}
